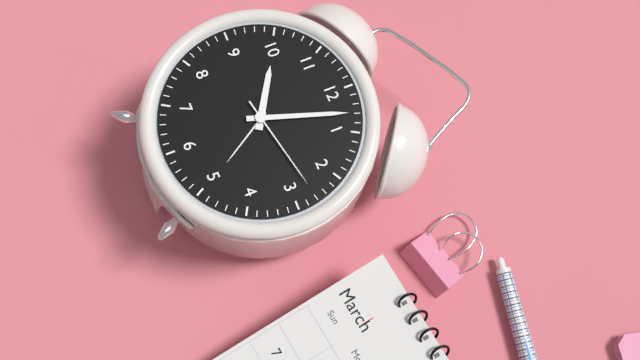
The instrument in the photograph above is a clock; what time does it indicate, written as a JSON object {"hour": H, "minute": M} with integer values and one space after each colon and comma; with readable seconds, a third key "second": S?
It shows {"hour": 10, "minute": 3, "second": 13}
